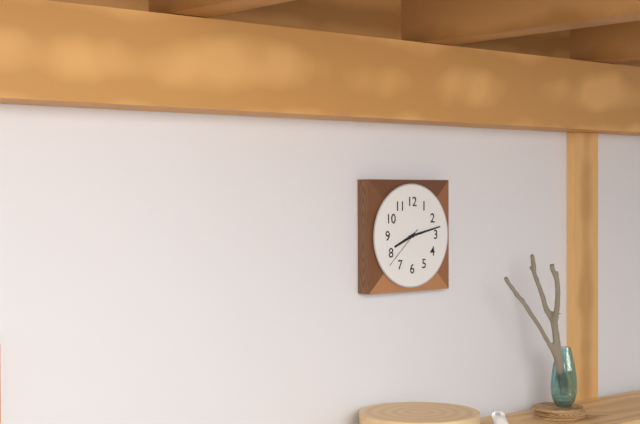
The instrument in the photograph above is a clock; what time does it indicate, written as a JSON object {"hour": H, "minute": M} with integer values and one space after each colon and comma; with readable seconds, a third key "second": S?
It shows {"hour": 8, "minute": 13}
